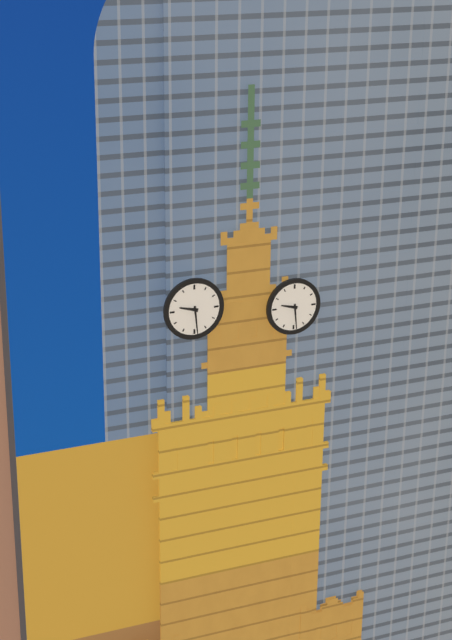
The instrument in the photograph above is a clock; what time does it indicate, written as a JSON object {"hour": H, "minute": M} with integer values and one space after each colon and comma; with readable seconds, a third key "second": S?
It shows {"hour": 9, "minute": 29}
